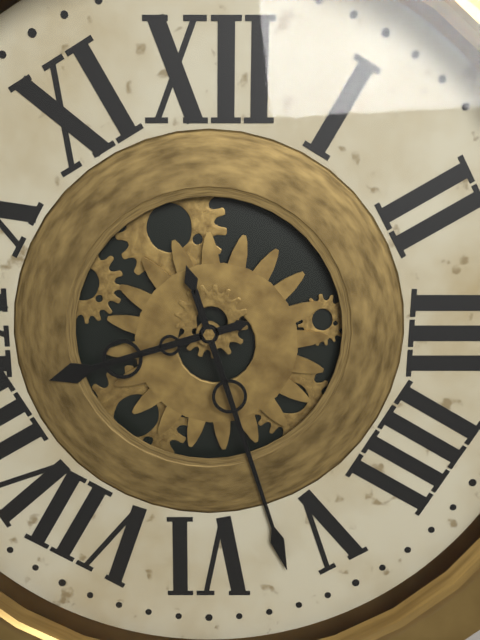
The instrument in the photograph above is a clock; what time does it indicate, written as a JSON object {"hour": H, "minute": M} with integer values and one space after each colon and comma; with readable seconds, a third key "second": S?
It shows {"hour": 8, "minute": 27}
